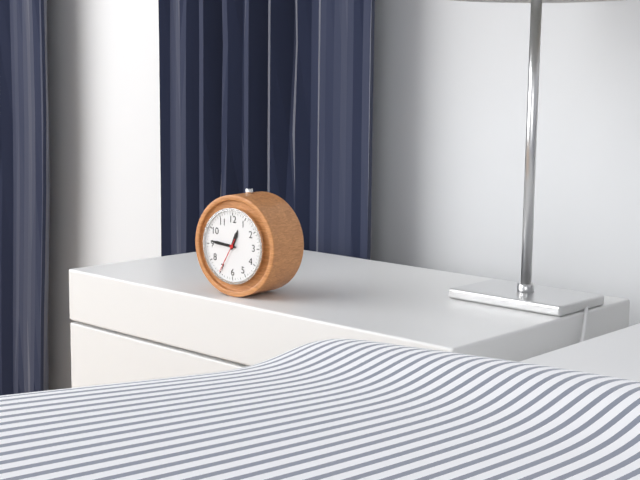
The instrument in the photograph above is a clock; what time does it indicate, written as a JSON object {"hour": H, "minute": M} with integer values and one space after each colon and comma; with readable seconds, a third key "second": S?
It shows {"hour": 12, "minute": 46}
